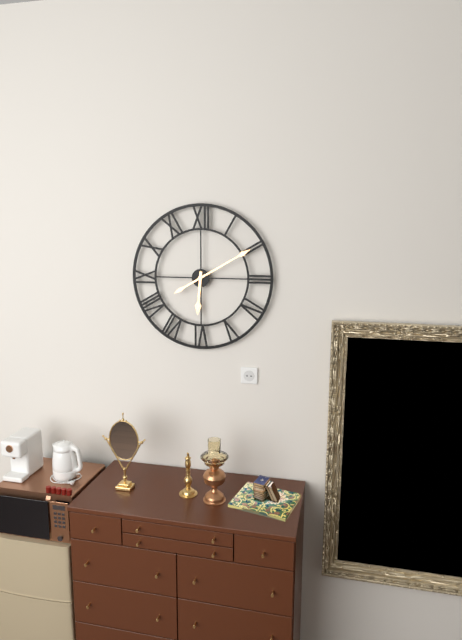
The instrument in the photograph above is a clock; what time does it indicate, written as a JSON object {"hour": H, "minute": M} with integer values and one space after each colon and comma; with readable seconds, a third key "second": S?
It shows {"hour": 6, "minute": 10}
